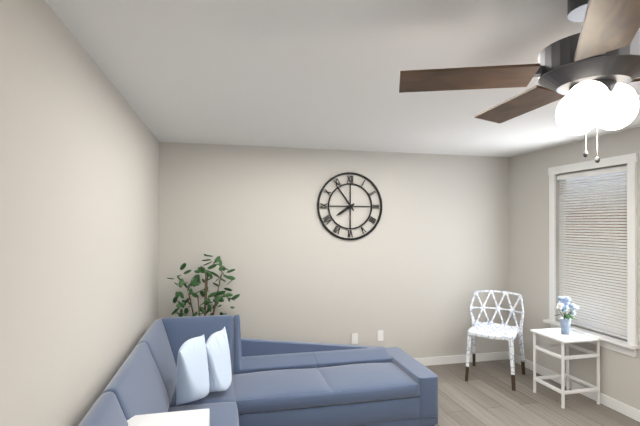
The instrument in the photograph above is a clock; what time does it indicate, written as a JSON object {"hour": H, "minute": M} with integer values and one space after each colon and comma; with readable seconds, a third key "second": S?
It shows {"hour": 7, "minute": 54}
